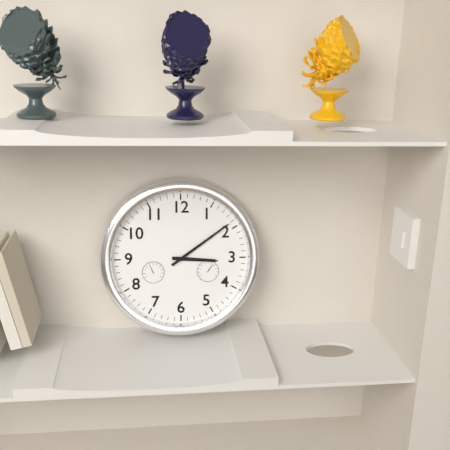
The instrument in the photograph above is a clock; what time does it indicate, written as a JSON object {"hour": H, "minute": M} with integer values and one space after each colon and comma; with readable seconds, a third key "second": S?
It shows {"hour": 3, "minute": 9}
